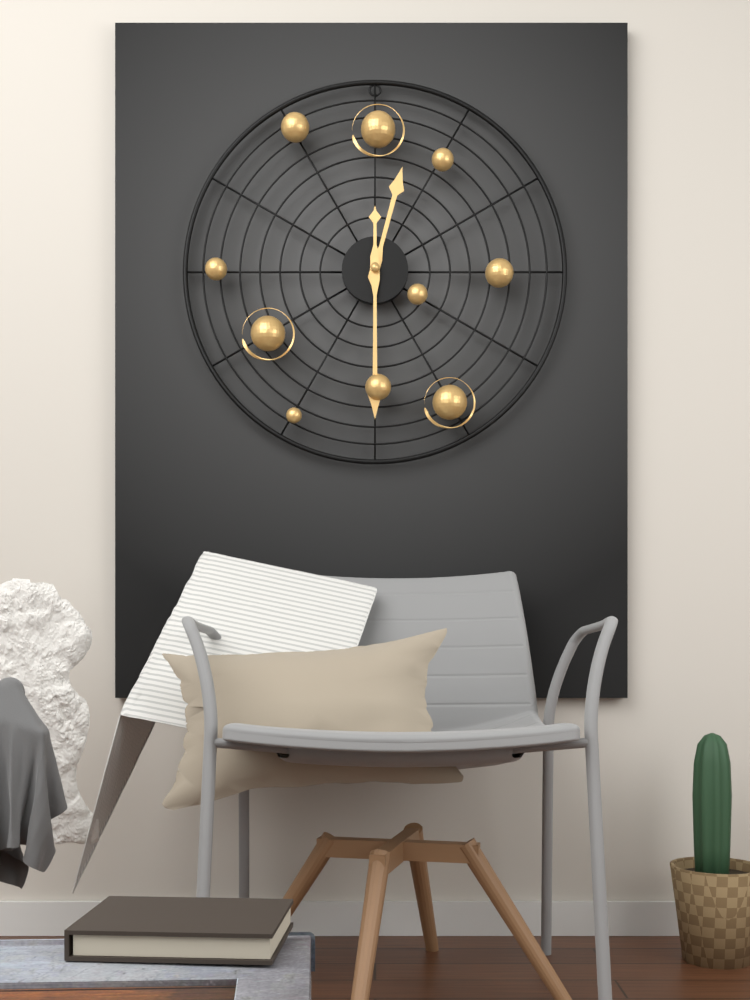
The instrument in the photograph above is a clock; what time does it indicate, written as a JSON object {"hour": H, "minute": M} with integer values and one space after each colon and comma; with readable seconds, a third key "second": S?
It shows {"hour": 12, "minute": 30}
